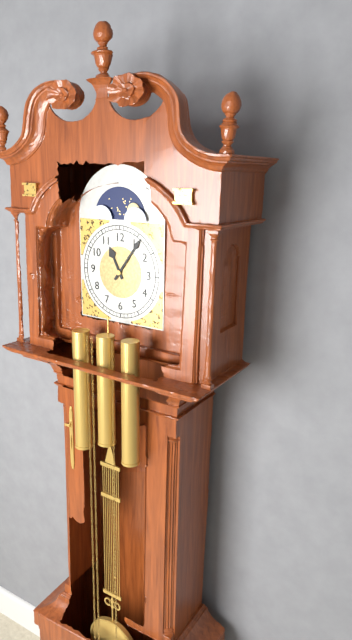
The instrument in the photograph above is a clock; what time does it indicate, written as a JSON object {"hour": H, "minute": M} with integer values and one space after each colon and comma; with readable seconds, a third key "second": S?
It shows {"hour": 11, "minute": 6}
